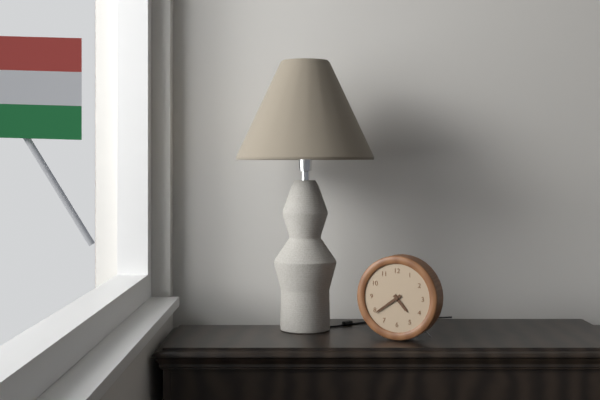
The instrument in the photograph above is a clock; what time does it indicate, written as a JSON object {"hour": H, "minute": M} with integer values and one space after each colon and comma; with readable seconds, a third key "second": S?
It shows {"hour": 4, "minute": 39}
